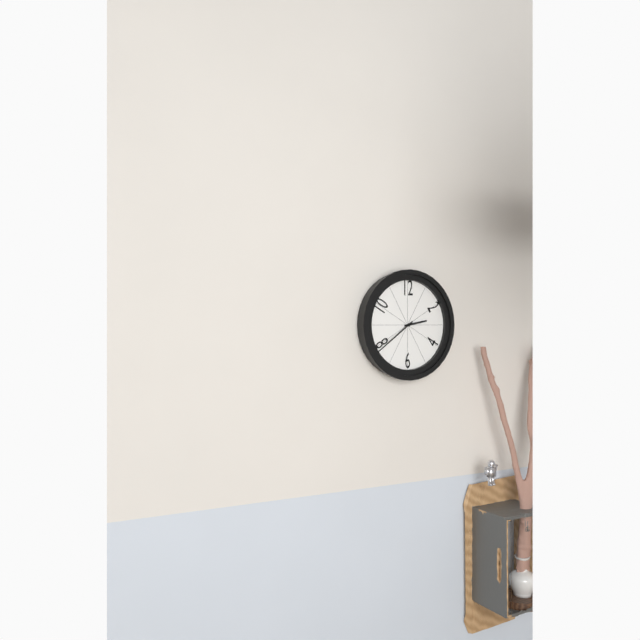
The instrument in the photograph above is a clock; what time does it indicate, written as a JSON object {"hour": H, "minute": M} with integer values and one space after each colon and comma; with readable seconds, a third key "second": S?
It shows {"hour": 2, "minute": 39}
